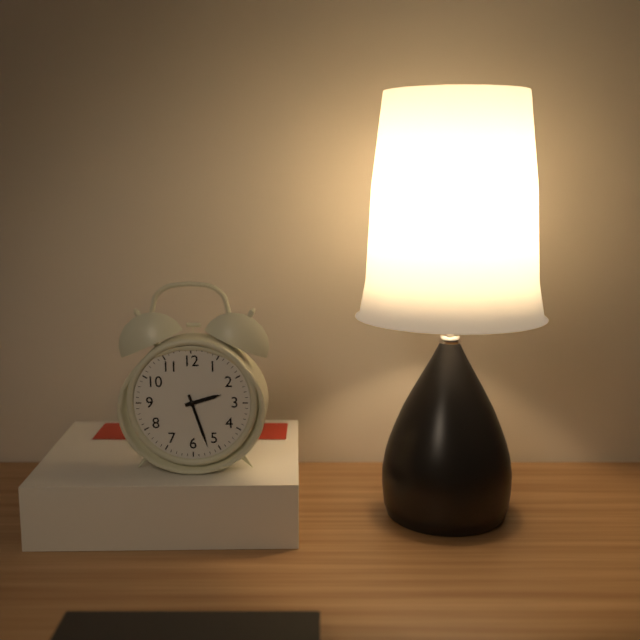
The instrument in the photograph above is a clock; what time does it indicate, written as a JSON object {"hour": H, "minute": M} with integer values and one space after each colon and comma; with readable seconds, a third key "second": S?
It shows {"hour": 2, "minute": 27}
